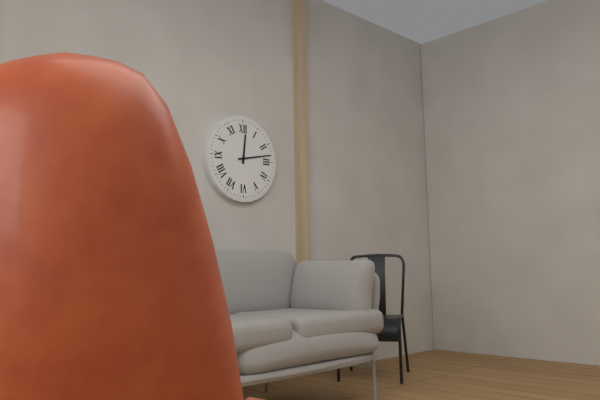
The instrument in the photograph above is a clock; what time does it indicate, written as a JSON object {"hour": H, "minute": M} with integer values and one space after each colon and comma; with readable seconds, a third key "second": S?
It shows {"hour": 12, "minute": 13}
